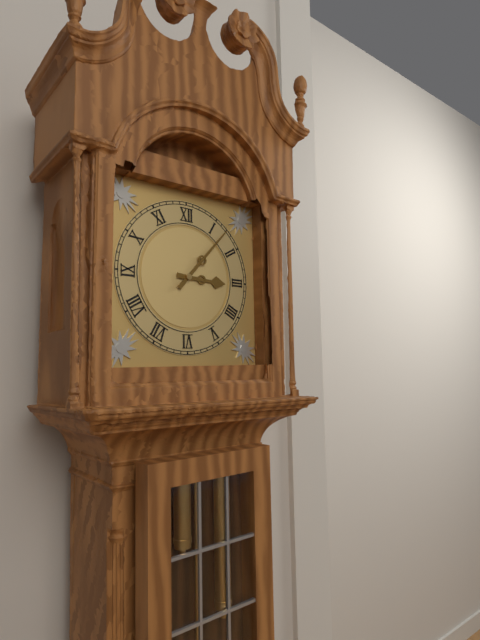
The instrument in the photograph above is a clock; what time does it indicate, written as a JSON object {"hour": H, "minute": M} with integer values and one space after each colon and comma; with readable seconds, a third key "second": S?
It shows {"hour": 3, "minute": 7}
